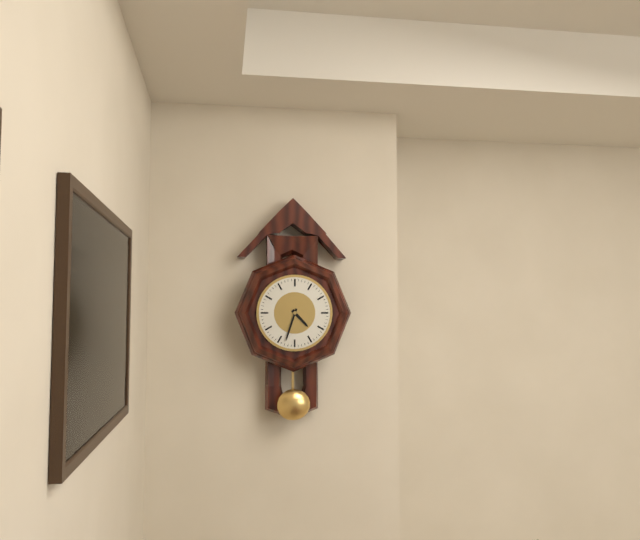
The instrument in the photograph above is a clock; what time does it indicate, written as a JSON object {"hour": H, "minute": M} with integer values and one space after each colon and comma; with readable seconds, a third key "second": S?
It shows {"hour": 4, "minute": 33}
